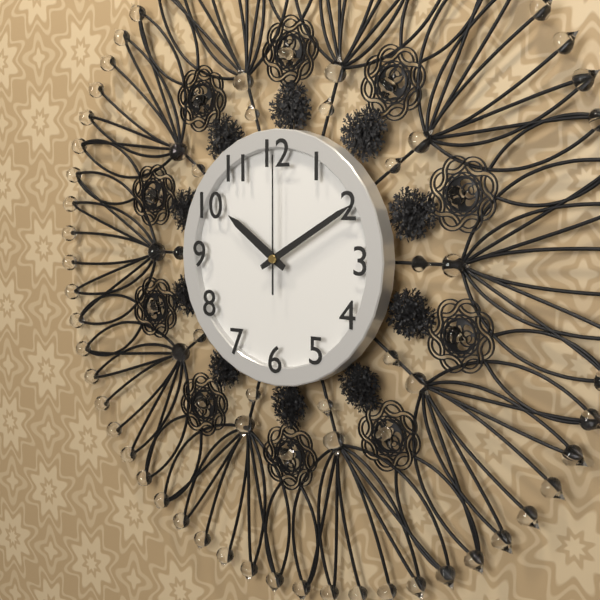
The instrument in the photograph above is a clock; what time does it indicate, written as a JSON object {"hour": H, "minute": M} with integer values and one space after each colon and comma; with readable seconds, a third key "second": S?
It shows {"hour": 10, "minute": 10, "second": 0}
